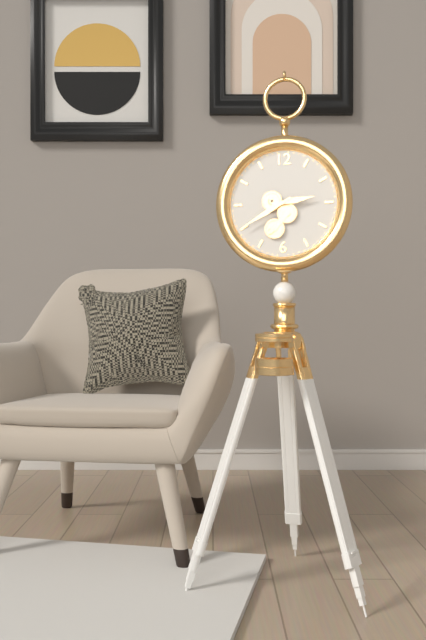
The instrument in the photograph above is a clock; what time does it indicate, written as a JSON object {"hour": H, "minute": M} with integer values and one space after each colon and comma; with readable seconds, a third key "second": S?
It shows {"hour": 2, "minute": 40}
